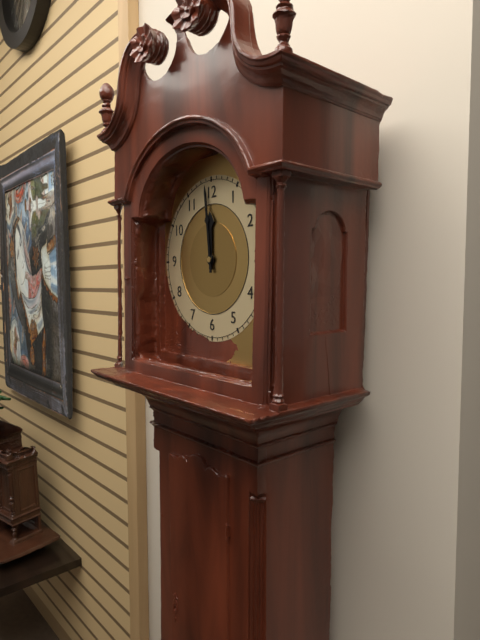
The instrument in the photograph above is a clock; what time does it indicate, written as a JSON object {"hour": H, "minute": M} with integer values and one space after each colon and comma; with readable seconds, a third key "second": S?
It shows {"hour": 11, "minute": 59}
